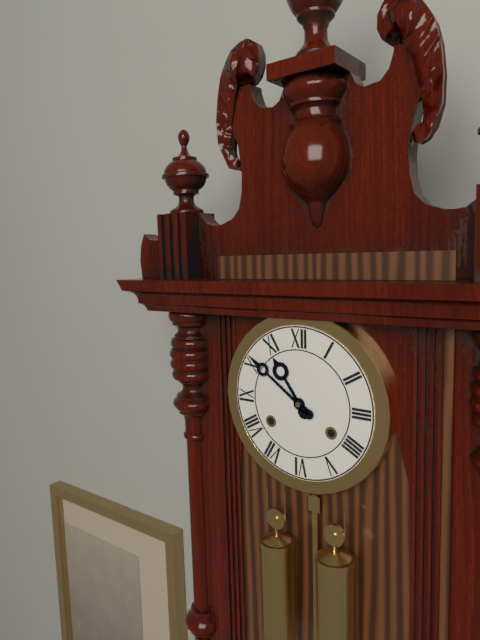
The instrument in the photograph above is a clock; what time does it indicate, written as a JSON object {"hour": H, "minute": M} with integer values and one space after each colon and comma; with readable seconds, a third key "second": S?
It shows {"hour": 10, "minute": 51}
